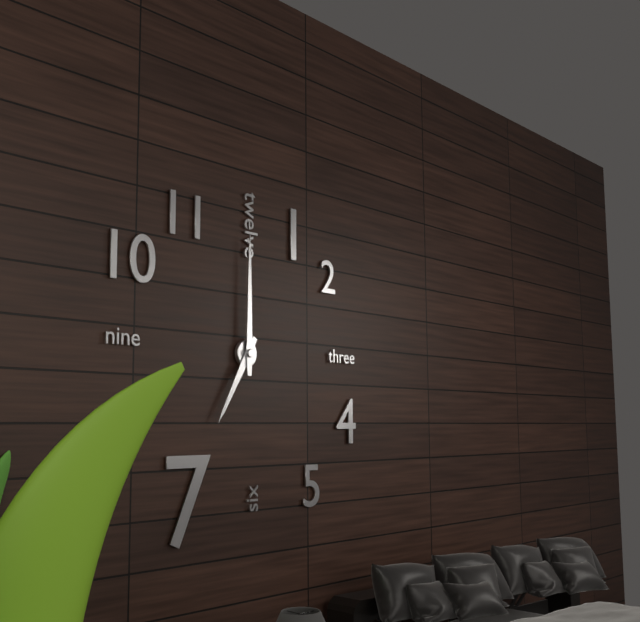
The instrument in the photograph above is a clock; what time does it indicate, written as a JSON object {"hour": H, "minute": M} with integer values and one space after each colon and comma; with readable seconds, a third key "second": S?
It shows {"hour": 7, "minute": 0}
